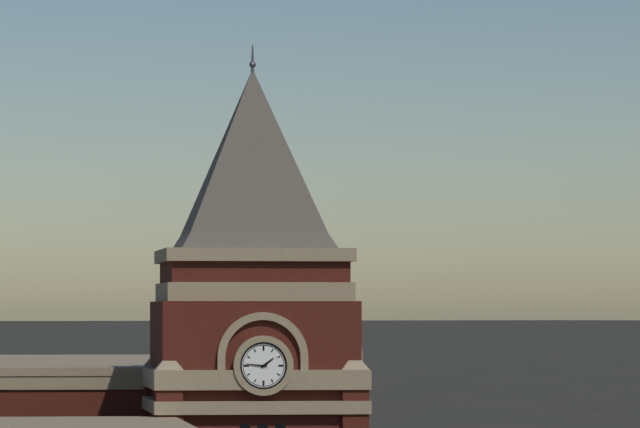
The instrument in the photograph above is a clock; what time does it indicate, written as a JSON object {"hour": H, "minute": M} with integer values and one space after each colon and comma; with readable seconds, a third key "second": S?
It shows {"hour": 1, "minute": 46}
